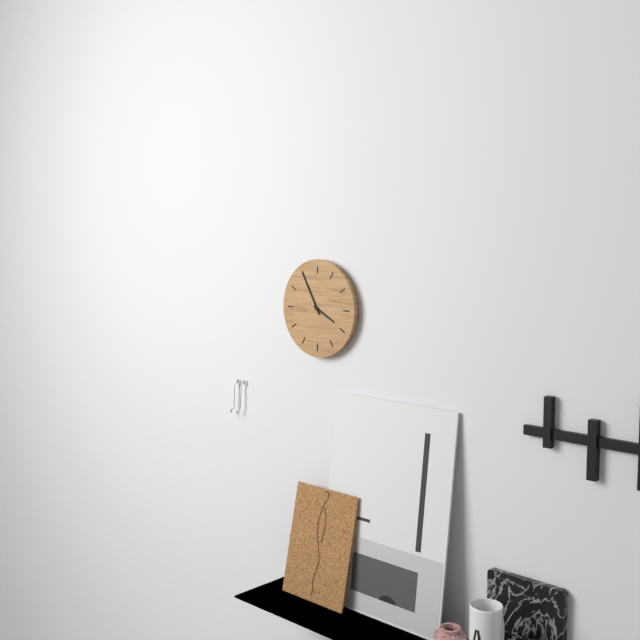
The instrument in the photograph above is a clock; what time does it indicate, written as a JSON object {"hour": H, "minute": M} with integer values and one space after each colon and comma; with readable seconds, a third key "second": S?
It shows {"hour": 3, "minute": 55}
